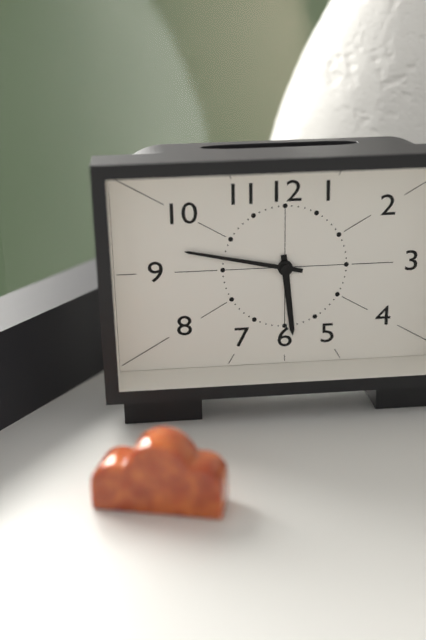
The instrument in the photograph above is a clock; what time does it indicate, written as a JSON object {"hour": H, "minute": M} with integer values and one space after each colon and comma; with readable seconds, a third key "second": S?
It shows {"hour": 5, "minute": 47}
